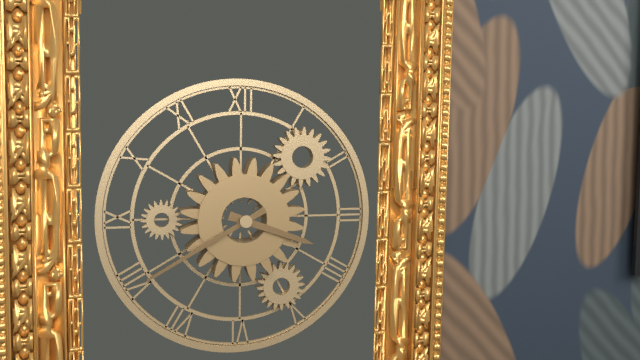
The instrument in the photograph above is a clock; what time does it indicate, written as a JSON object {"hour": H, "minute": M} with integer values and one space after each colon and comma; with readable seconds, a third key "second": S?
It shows {"hour": 3, "minute": 40}
